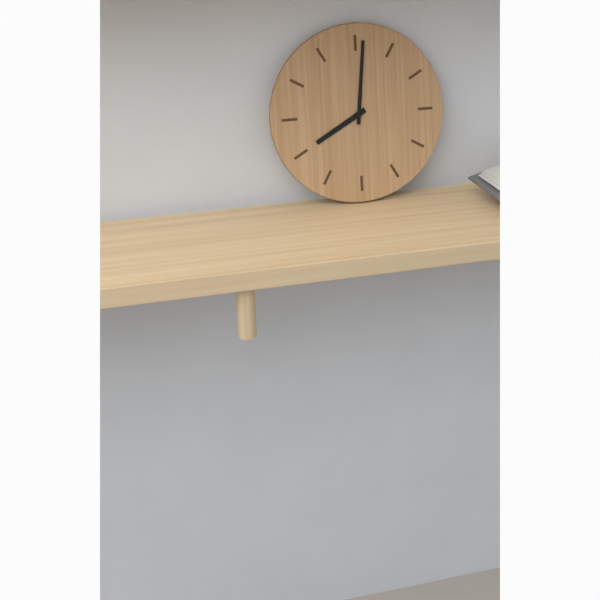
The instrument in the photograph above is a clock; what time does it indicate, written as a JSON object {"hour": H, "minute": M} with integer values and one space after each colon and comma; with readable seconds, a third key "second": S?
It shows {"hour": 8, "minute": 1}
